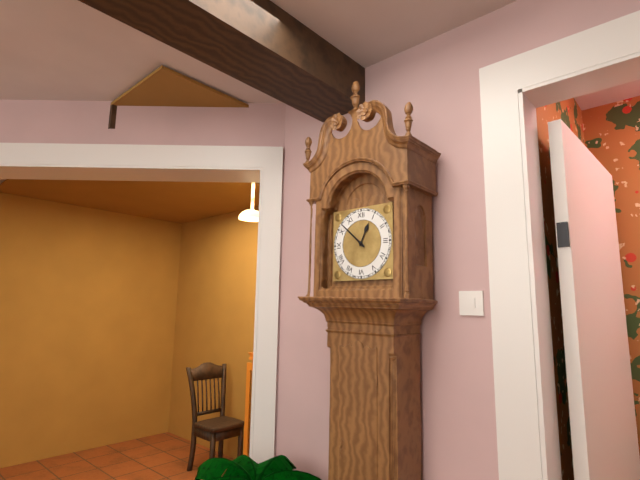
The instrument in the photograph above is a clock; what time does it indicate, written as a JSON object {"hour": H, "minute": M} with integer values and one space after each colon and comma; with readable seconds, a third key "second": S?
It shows {"hour": 12, "minute": 52}
